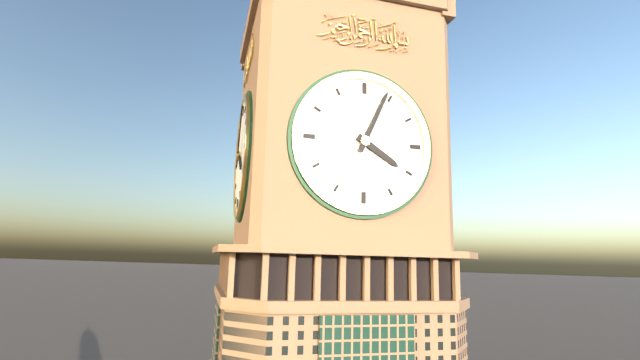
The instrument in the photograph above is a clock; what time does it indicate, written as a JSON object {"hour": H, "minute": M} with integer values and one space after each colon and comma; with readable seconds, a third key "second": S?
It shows {"hour": 4, "minute": 4}
